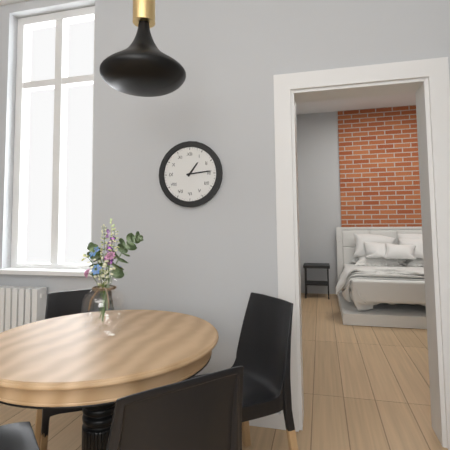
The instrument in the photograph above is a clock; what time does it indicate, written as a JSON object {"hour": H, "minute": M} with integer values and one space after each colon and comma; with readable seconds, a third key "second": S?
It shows {"hour": 1, "minute": 14}
